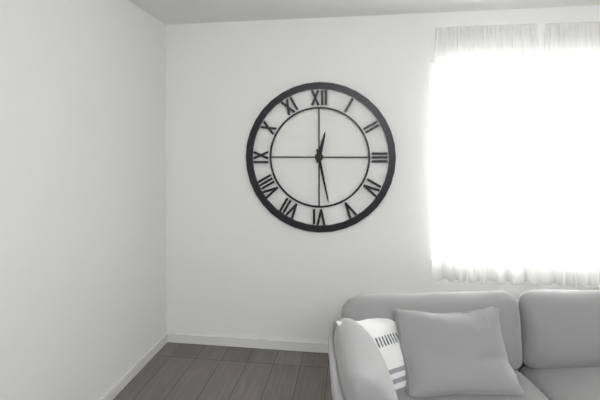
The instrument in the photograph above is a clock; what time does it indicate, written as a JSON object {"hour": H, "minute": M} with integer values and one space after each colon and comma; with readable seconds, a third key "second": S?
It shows {"hour": 12, "minute": 28}
